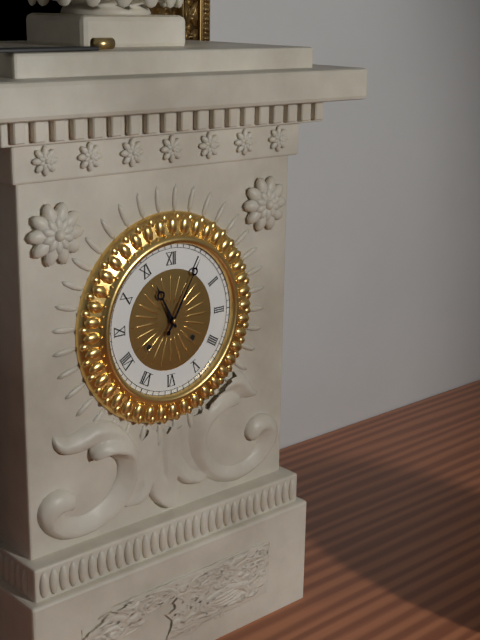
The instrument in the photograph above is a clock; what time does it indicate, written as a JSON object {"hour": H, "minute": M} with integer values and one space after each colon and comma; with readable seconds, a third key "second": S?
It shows {"hour": 11, "minute": 5}
